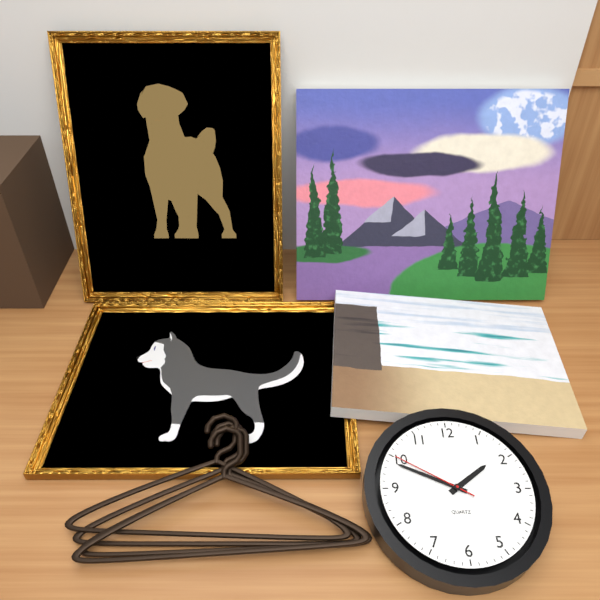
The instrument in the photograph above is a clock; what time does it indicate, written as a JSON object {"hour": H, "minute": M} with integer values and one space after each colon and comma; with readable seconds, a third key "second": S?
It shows {"hour": 1, "minute": 49, "second": 50}
